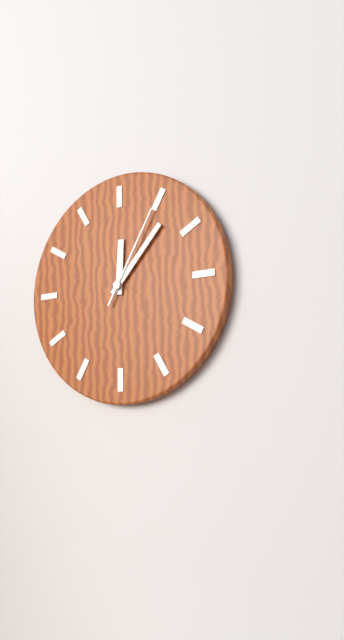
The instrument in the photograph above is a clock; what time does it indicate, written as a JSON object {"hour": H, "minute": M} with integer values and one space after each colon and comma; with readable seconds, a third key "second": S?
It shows {"hour": 12, "minute": 7, "second": 5}
